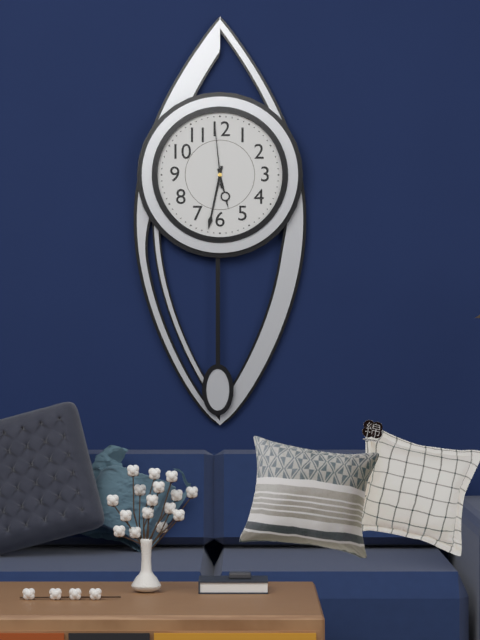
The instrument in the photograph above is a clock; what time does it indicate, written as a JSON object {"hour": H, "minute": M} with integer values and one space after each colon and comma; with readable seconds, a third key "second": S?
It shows {"hour": 5, "minute": 32, "second": 59}
